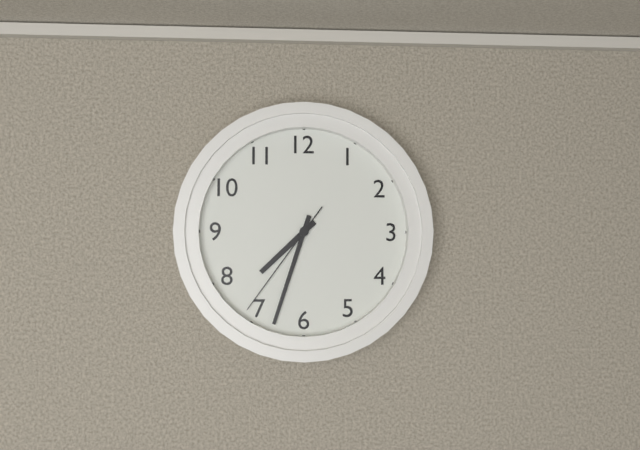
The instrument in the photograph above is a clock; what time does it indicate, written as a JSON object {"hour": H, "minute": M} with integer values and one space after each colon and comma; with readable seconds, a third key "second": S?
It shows {"hour": 7, "minute": 33, "second": 36}
